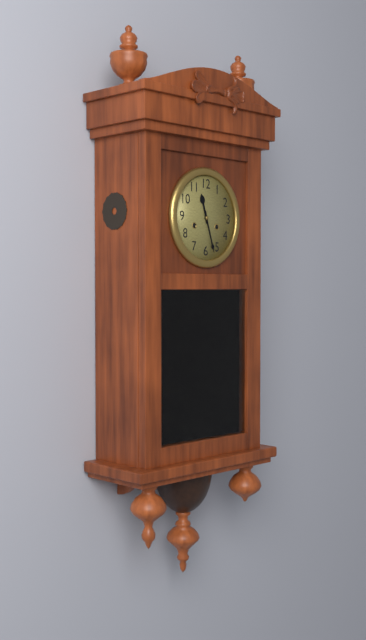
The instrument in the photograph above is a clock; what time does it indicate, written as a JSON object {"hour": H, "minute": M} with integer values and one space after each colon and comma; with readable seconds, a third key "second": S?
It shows {"hour": 11, "minute": 27}
